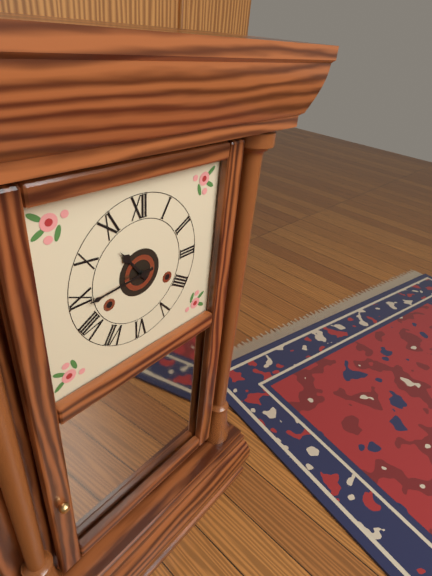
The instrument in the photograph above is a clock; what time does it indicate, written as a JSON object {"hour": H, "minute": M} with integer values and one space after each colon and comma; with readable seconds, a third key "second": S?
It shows {"hour": 10, "minute": 44}
